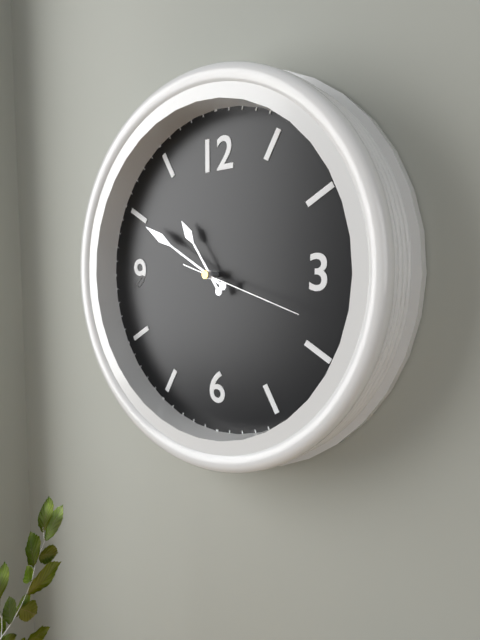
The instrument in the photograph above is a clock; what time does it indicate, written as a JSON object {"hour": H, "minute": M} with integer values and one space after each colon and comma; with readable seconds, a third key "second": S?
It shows {"hour": 10, "minute": 50, "second": 18}
